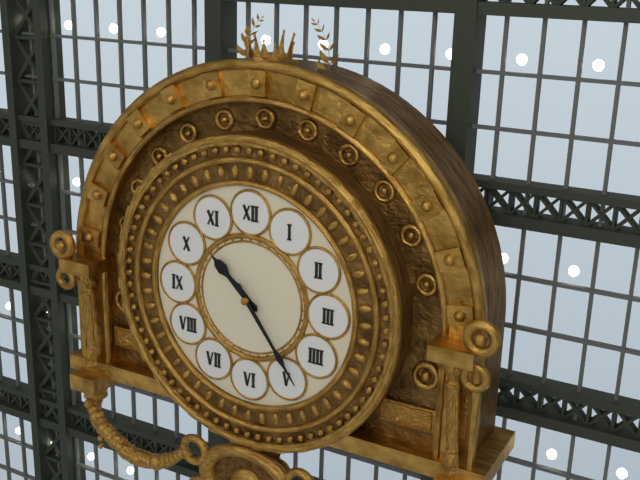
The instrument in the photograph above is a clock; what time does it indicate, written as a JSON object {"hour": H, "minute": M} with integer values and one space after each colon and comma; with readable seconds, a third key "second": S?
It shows {"hour": 10, "minute": 24}
